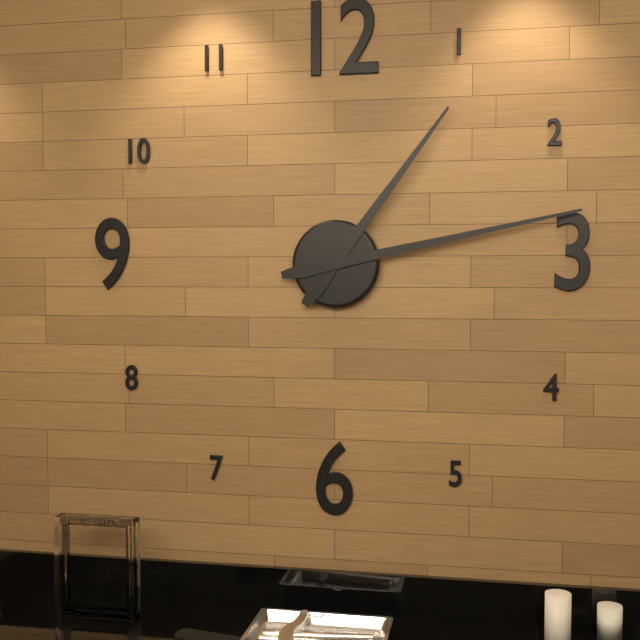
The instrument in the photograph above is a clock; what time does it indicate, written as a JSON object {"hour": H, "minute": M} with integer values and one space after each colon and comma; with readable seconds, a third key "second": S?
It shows {"hour": 1, "minute": 13}
